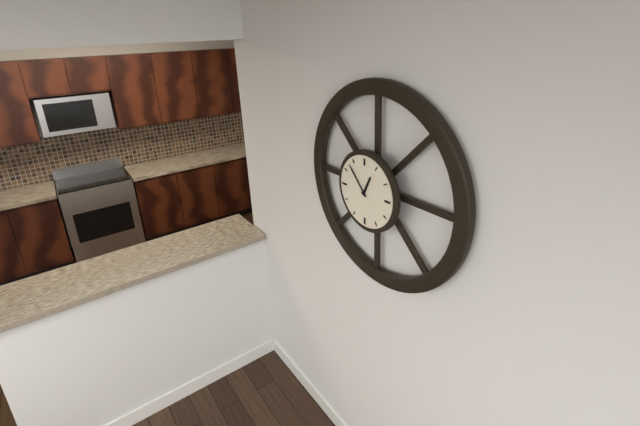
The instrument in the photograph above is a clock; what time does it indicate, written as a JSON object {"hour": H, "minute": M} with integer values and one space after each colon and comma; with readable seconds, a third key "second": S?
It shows {"hour": 12, "minute": 53}
